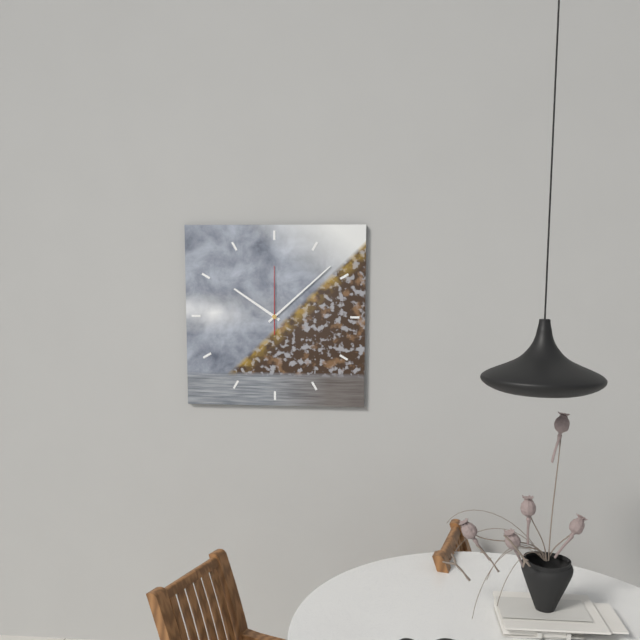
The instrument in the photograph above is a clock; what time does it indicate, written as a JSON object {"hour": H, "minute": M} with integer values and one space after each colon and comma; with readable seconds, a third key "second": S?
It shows {"hour": 10, "minute": 8, "second": 0}
